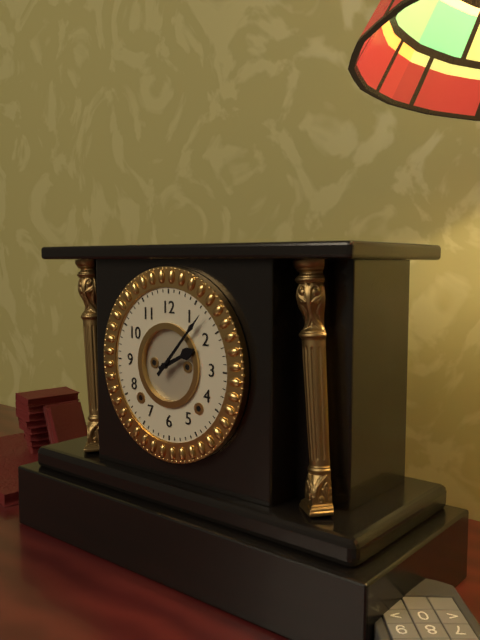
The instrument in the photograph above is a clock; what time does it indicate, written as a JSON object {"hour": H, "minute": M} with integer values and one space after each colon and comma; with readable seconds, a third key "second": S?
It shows {"hour": 2, "minute": 7}
